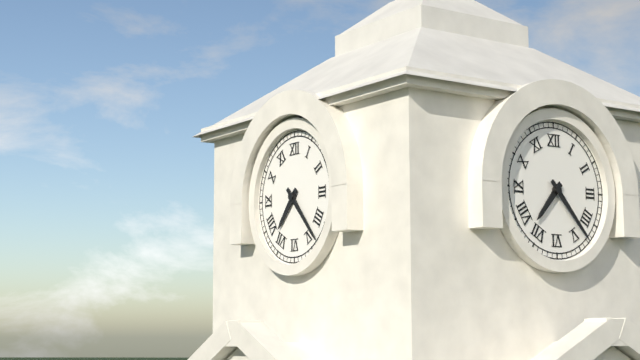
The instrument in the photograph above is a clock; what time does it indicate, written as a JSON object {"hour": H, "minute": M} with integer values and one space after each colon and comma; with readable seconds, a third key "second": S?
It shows {"hour": 7, "minute": 23}
